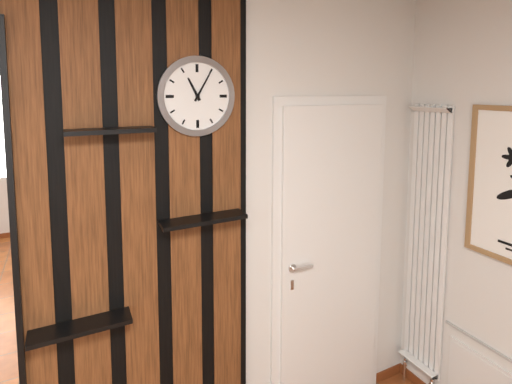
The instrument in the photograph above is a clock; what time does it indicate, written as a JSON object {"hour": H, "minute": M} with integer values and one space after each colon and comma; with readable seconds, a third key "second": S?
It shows {"hour": 11, "minute": 5}
